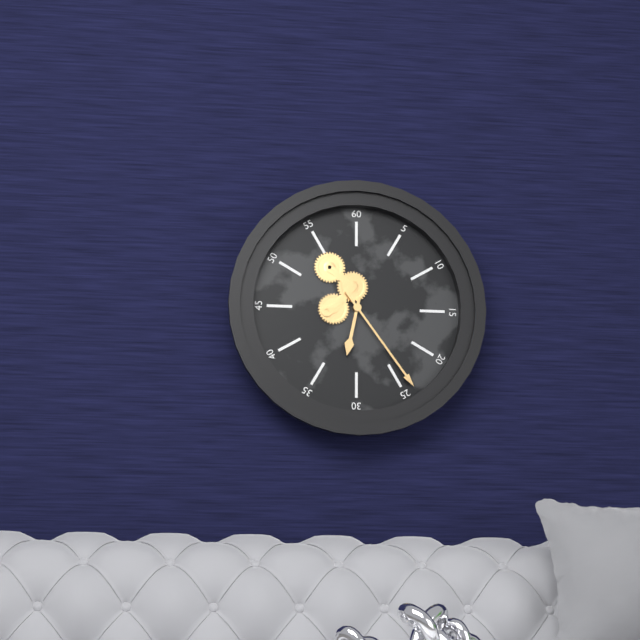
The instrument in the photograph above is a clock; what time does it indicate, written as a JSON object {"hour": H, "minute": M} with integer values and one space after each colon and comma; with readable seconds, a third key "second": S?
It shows {"hour": 6, "minute": 24}
